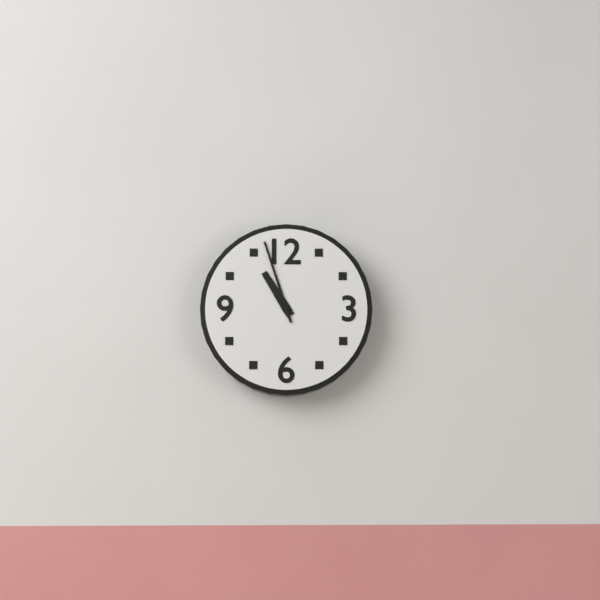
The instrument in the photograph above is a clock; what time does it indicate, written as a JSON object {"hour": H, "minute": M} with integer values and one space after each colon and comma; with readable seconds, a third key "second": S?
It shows {"hour": 10, "minute": 57}
